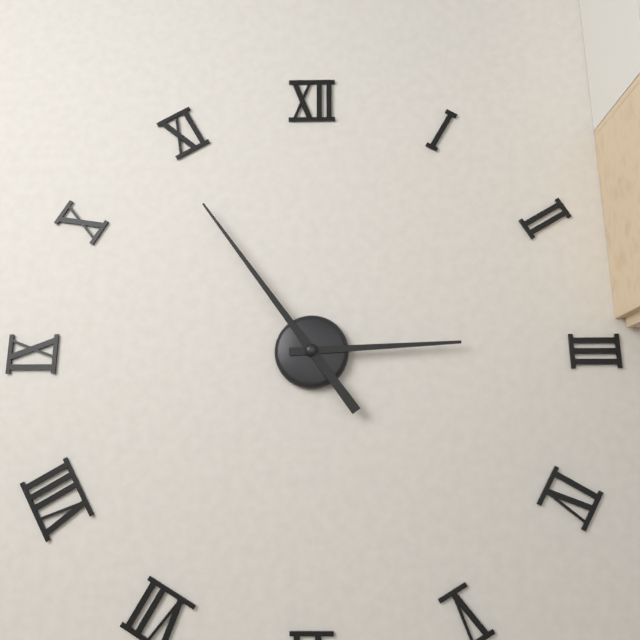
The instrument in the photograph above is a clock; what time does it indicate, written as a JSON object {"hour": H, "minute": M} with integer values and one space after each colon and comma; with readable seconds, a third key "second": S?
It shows {"hour": 2, "minute": 54}
